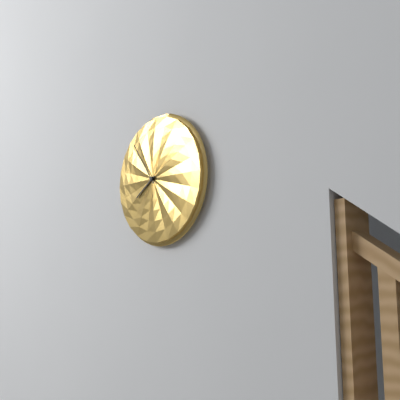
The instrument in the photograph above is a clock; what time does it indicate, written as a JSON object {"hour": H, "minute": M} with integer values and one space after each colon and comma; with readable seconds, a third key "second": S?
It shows {"hour": 7, "minute": 54}
